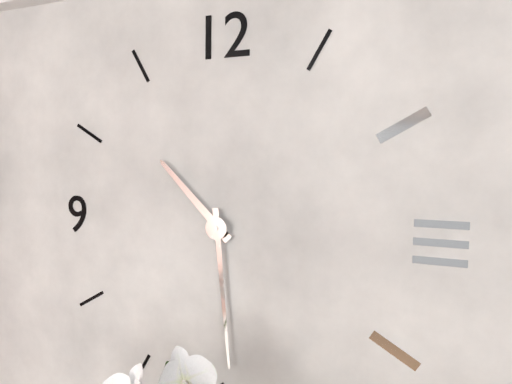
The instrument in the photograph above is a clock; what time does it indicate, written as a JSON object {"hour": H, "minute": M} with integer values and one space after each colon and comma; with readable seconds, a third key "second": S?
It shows {"hour": 10, "minute": 29}
